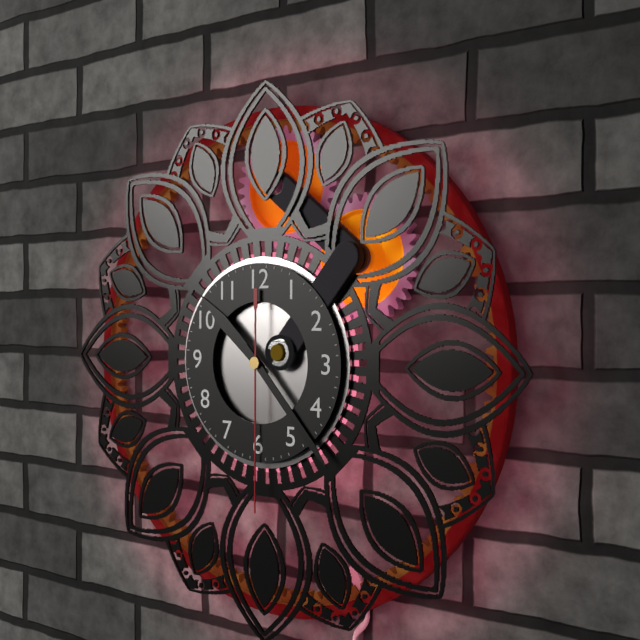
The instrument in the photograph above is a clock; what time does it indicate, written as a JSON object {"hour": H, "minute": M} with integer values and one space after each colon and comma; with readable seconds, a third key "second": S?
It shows {"hour": 10, "minute": 23, "second": 30}
